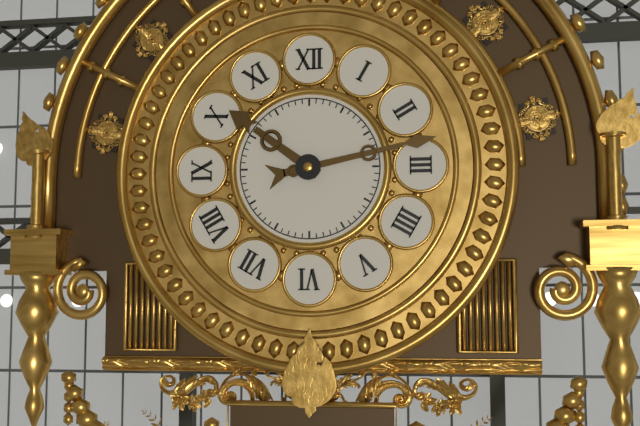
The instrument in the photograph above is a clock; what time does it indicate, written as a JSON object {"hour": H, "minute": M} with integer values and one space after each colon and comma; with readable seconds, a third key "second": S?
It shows {"hour": 10, "minute": 13}
